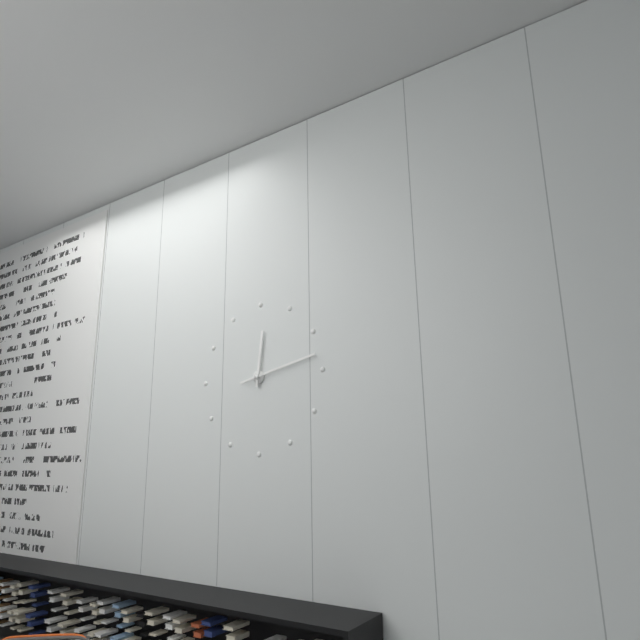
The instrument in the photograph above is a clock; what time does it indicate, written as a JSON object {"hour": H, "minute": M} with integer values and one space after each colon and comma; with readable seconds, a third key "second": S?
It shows {"hour": 12, "minute": 13}
